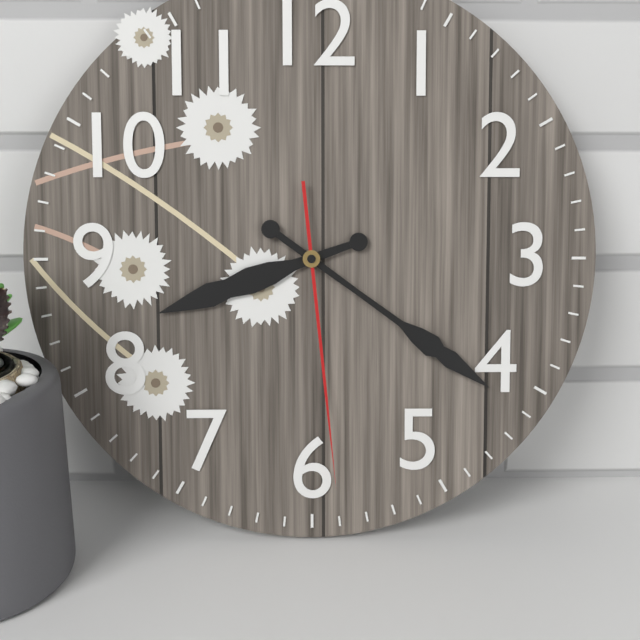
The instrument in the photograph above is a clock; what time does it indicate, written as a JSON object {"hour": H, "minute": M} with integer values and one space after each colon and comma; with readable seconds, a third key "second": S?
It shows {"hour": 8, "minute": 21, "second": 29}
